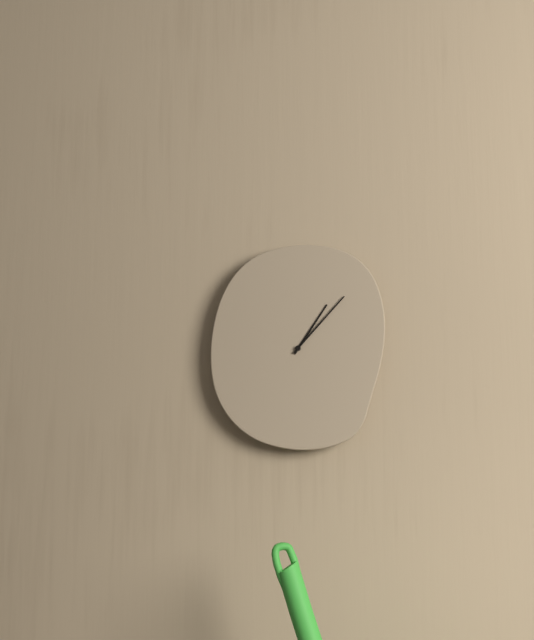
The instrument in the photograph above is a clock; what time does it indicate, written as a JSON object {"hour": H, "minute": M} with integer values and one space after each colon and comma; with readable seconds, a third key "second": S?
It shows {"hour": 1, "minute": 7}
